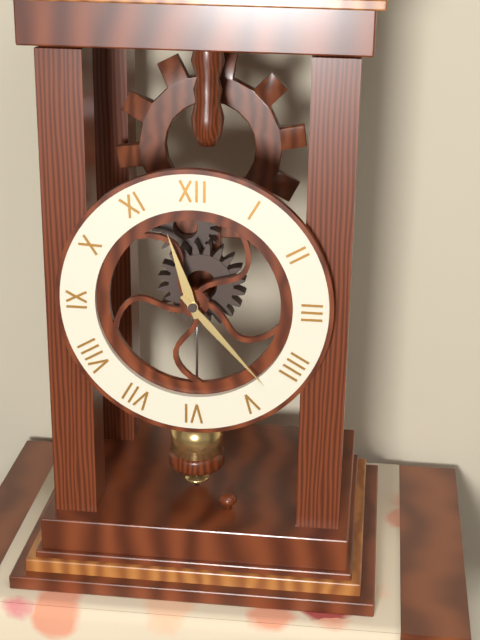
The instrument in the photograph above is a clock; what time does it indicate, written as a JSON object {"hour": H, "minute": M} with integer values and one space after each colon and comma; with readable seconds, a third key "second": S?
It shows {"hour": 11, "minute": 23}
